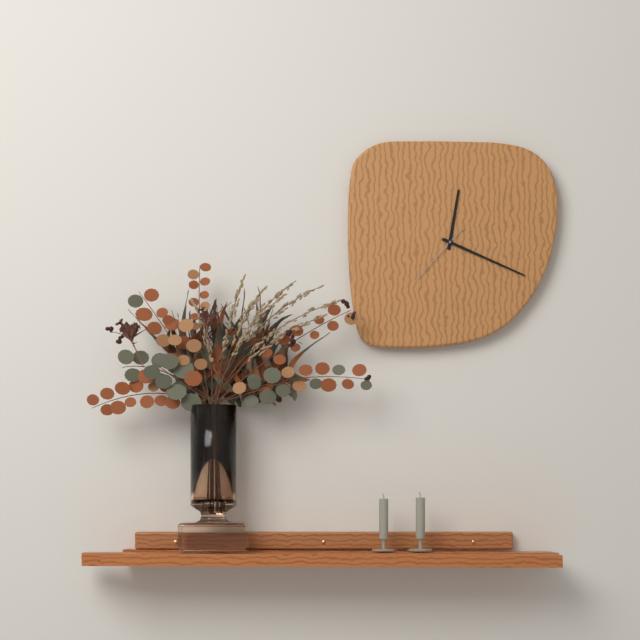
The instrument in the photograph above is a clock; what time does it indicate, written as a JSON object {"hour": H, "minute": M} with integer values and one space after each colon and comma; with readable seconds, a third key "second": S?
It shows {"hour": 12, "minute": 19, "second": 37}
